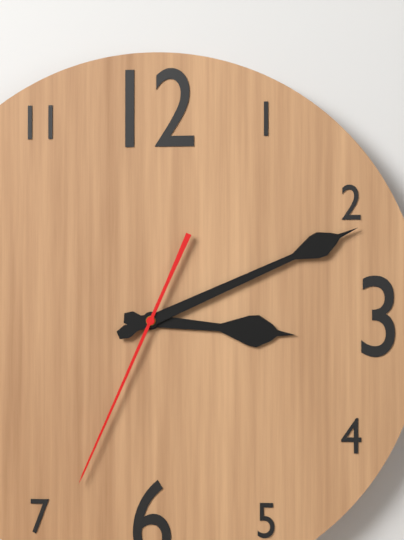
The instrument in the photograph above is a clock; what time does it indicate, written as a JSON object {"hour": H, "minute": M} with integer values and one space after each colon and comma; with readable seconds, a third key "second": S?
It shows {"hour": 3, "minute": 11, "second": 34}
